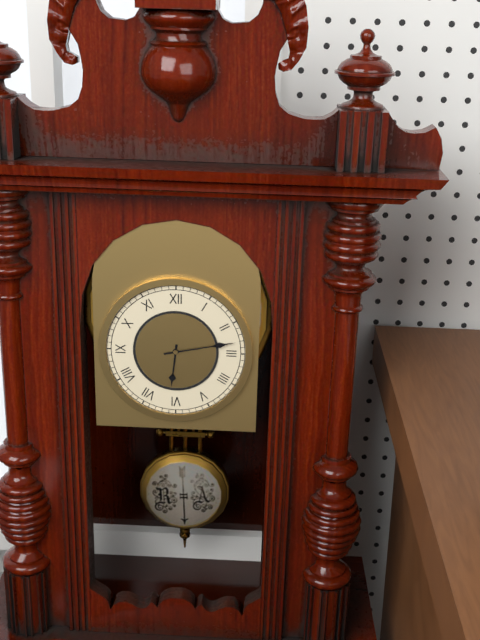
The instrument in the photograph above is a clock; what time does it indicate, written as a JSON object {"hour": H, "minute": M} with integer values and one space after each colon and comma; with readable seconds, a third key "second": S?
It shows {"hour": 6, "minute": 13}
